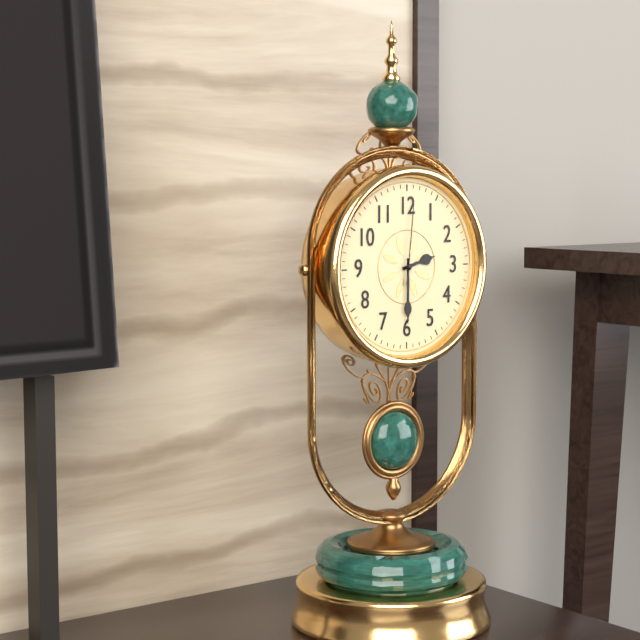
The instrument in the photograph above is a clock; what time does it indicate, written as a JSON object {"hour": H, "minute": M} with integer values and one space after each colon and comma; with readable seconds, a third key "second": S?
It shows {"hour": 2, "minute": 30, "second": 1}
